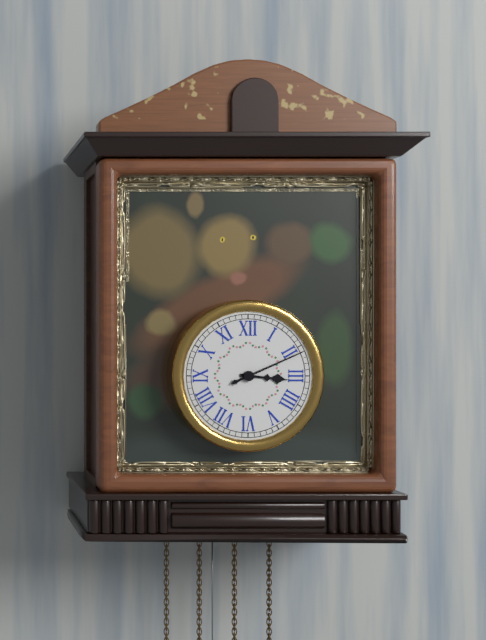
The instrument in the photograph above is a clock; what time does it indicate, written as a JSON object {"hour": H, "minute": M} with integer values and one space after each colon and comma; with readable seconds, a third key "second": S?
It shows {"hour": 3, "minute": 11}
